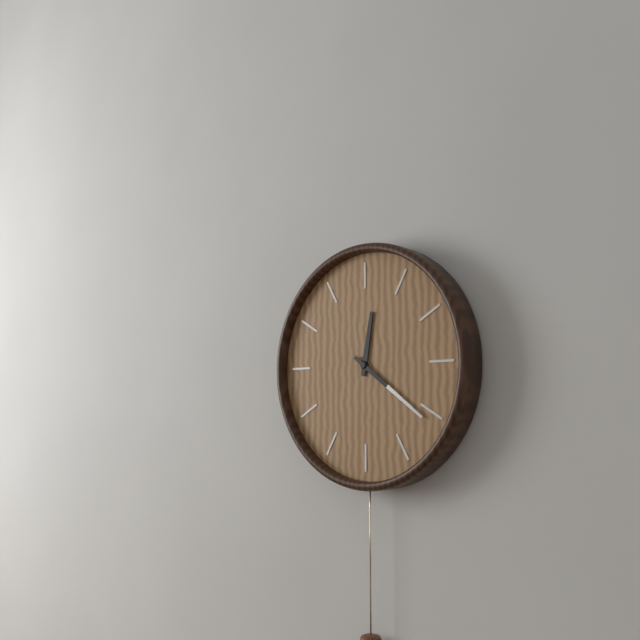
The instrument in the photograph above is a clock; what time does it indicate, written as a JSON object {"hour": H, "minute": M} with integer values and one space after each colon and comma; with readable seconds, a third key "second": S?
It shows {"hour": 12, "minute": 21}
